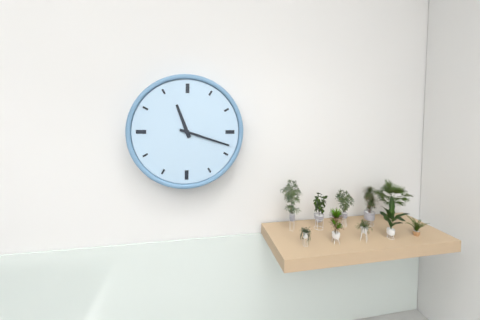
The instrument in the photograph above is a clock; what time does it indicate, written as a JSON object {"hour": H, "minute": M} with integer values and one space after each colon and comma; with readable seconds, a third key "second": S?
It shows {"hour": 11, "minute": 18}
